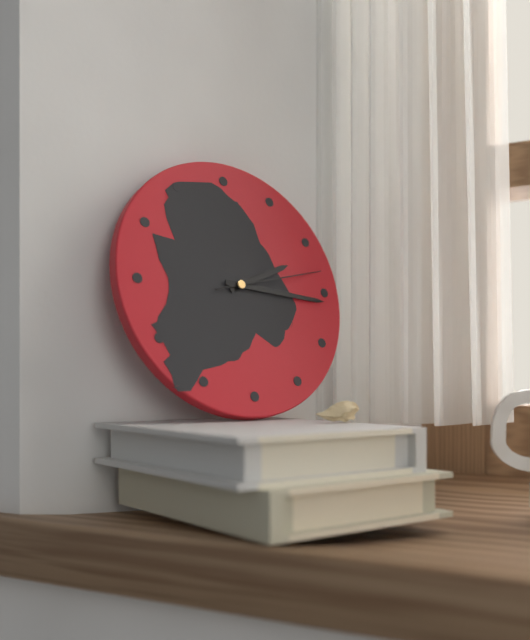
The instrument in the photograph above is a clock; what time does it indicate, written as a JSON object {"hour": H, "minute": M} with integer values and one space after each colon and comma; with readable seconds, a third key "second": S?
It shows {"hour": 2, "minute": 16, "second": 13}
